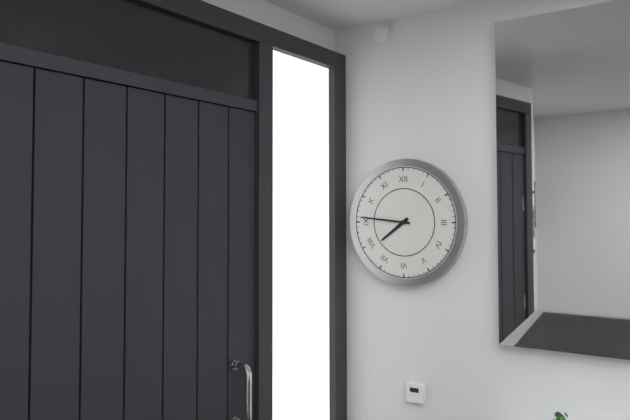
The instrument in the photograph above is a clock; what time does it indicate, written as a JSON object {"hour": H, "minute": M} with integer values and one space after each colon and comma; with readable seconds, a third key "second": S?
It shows {"hour": 7, "minute": 46}
